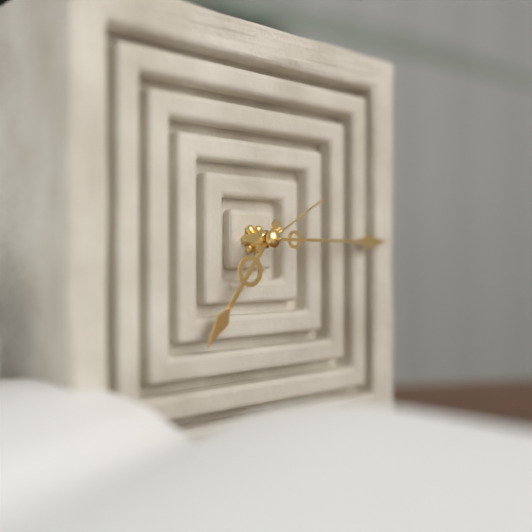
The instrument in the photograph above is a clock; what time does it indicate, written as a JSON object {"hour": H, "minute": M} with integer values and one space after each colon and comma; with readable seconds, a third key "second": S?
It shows {"hour": 7, "minute": 15, "second": 10}
